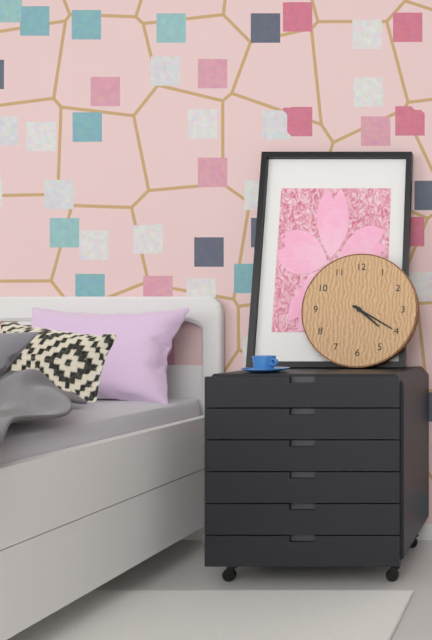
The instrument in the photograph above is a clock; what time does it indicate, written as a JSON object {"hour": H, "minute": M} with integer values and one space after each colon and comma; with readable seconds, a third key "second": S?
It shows {"hour": 4, "minute": 20}
